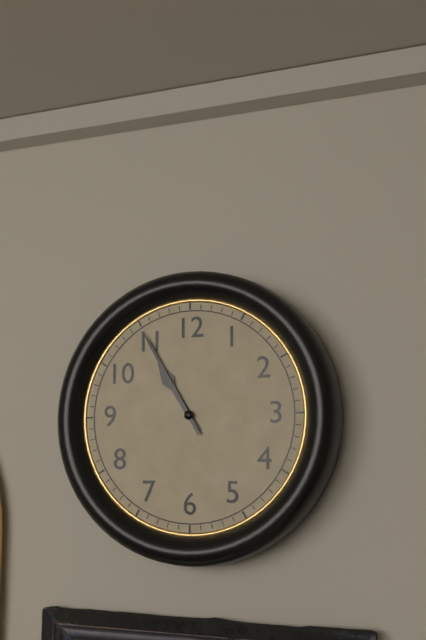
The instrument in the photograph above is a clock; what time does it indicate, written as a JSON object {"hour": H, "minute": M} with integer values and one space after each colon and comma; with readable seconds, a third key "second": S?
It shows {"hour": 10, "minute": 55}
